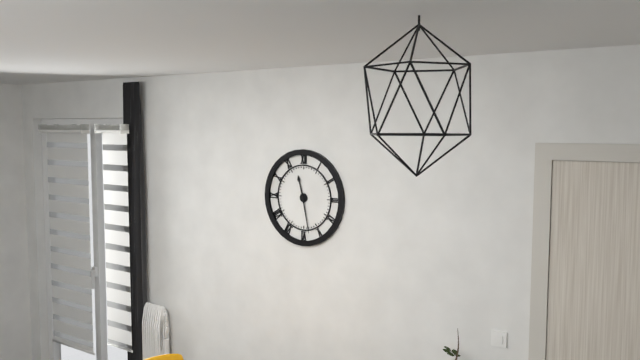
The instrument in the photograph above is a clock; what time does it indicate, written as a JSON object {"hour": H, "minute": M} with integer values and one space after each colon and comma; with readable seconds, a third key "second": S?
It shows {"hour": 11, "minute": 28}
